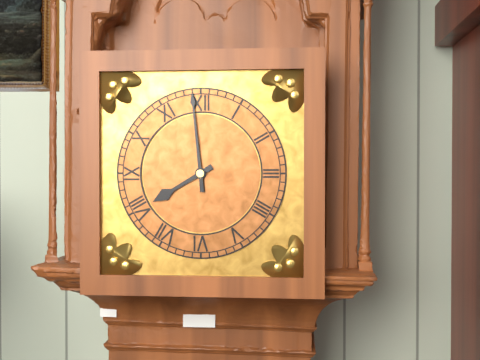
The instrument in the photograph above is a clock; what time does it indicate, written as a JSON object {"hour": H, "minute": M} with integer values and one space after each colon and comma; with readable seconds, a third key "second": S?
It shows {"hour": 7, "minute": 59}
